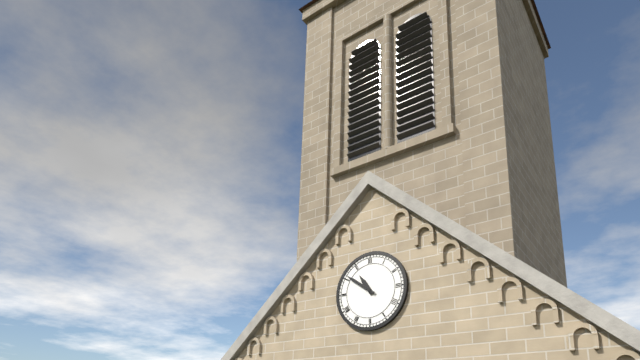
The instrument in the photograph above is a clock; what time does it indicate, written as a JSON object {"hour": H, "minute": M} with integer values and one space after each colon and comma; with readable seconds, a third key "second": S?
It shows {"hour": 10, "minute": 51}
